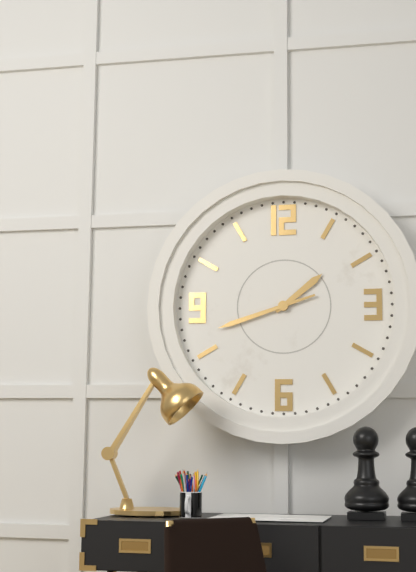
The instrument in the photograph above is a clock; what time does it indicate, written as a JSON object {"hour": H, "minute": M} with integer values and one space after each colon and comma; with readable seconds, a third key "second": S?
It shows {"hour": 1, "minute": 42}
